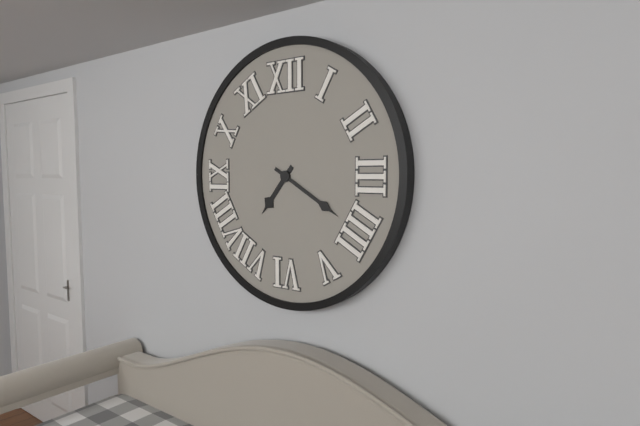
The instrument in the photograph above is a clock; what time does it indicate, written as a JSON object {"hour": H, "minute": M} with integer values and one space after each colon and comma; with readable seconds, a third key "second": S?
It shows {"hour": 7, "minute": 20}
